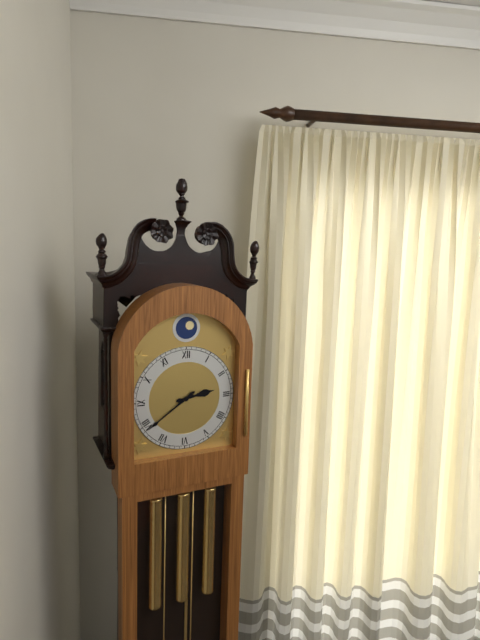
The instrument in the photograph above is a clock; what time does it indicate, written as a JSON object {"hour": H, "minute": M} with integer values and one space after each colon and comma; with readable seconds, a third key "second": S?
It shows {"hour": 2, "minute": 39}
